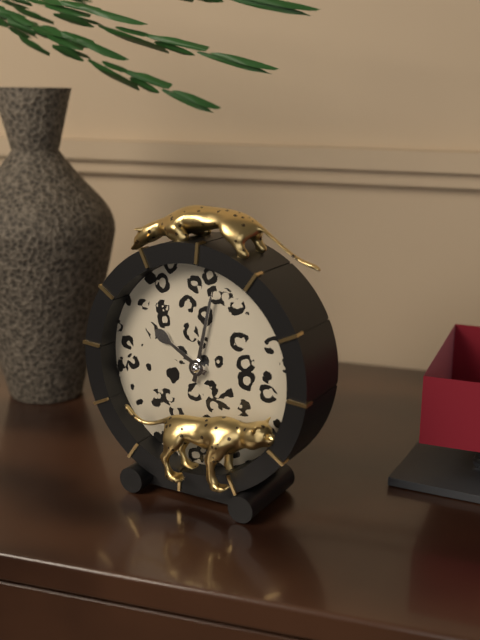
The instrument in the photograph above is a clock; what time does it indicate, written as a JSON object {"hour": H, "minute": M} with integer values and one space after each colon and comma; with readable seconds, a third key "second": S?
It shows {"hour": 10, "minute": 2}
